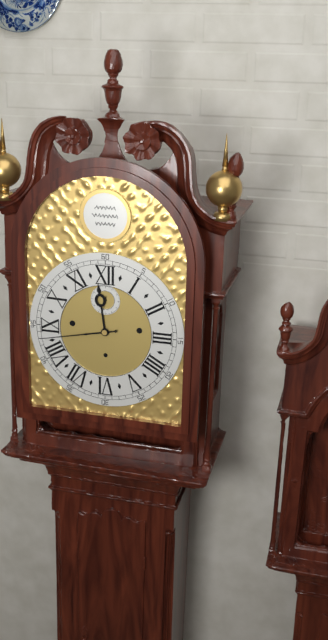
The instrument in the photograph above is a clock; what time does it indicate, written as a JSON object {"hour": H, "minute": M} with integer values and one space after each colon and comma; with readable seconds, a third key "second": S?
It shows {"hour": 11, "minute": 43}
